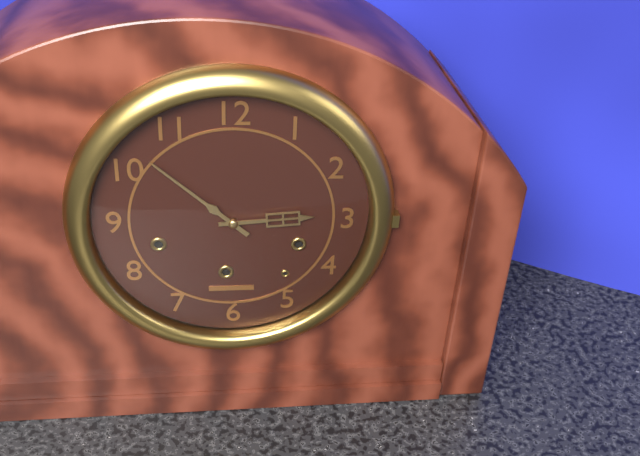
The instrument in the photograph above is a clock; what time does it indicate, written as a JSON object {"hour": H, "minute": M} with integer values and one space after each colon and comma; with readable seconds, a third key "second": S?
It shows {"hour": 2, "minute": 52}
